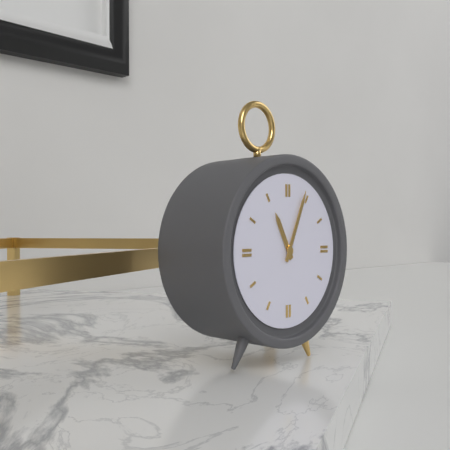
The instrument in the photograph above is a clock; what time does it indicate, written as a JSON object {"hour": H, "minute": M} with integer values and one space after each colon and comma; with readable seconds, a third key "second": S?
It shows {"hour": 11, "minute": 4}
